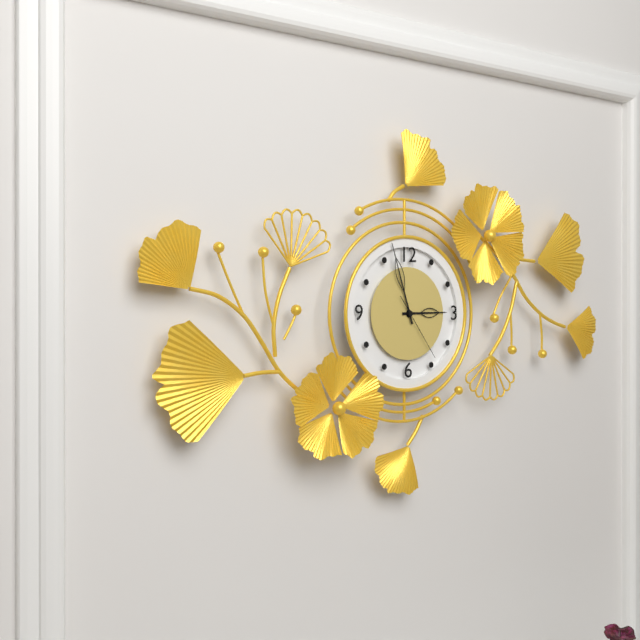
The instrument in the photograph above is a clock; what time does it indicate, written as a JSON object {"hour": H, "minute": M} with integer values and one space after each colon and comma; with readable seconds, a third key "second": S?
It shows {"hour": 2, "minute": 57, "second": 24}
